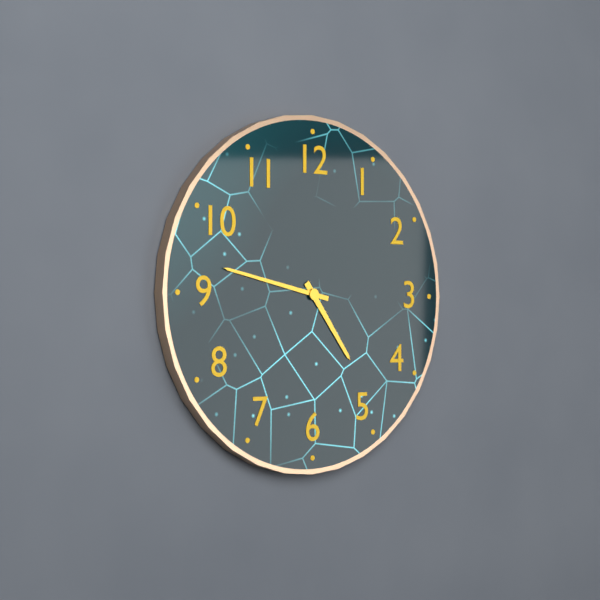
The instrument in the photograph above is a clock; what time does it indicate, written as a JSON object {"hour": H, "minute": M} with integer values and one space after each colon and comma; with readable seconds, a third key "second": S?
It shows {"hour": 4, "minute": 47}
